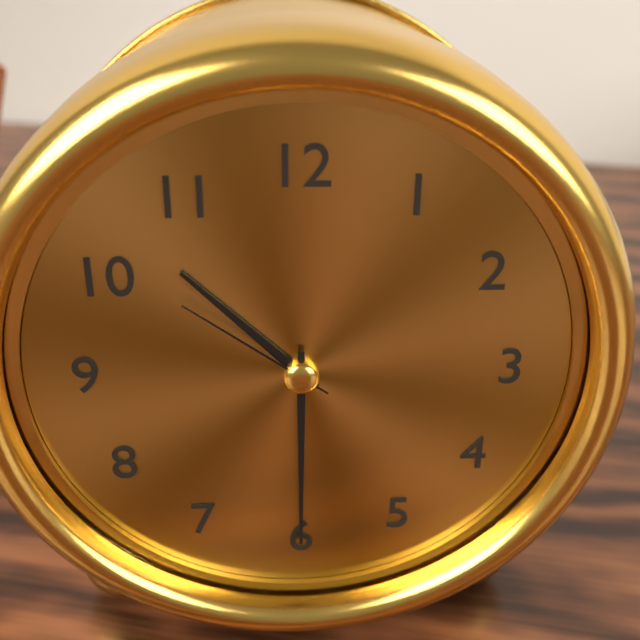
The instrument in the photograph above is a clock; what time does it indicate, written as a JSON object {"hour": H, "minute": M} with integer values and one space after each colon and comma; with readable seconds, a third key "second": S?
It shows {"hour": 10, "minute": 30, "second": 51}
